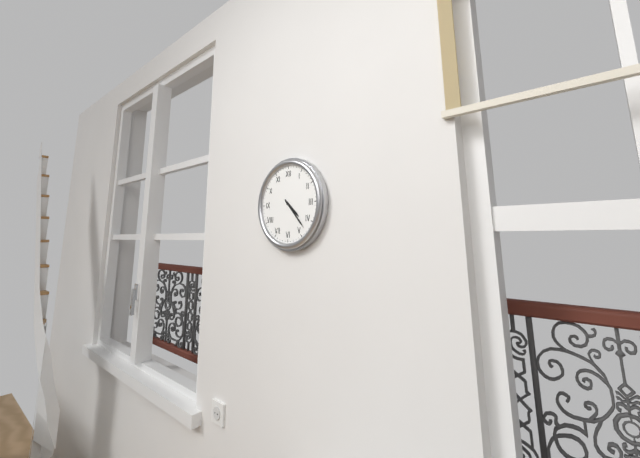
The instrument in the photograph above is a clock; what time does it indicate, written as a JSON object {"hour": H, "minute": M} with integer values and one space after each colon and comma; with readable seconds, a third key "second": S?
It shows {"hour": 4, "minute": 23}
